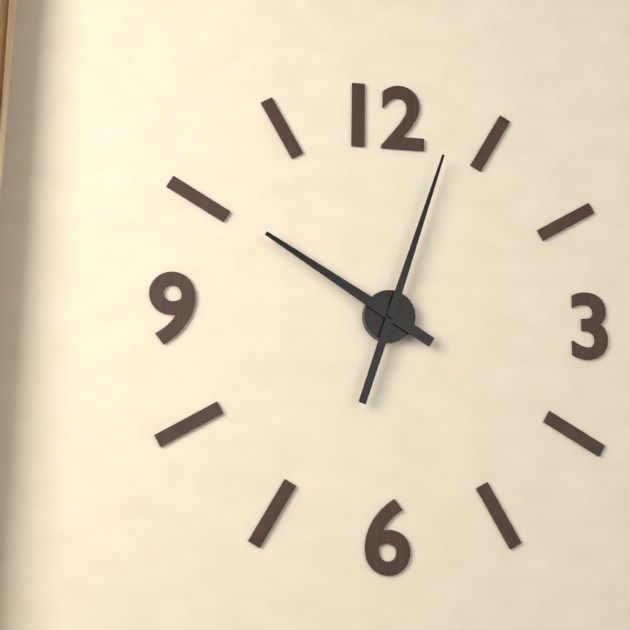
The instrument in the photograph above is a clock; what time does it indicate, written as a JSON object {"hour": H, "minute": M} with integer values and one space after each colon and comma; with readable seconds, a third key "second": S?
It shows {"hour": 10, "minute": 3}
